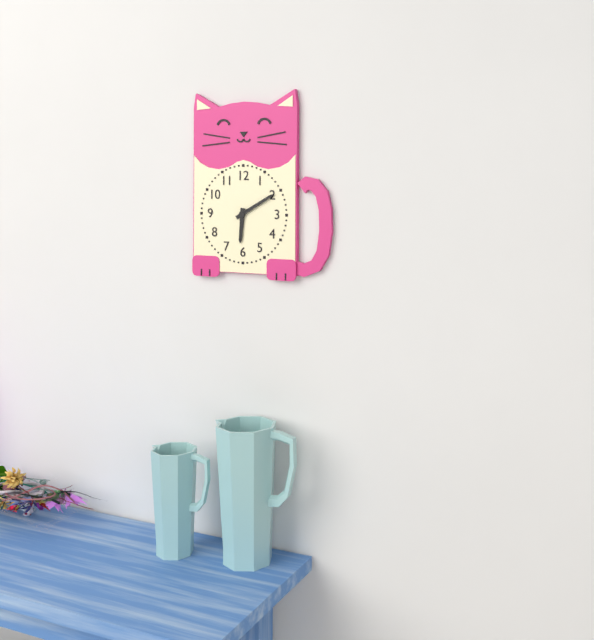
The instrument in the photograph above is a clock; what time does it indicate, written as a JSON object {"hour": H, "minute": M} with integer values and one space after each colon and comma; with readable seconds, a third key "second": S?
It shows {"hour": 6, "minute": 10}
